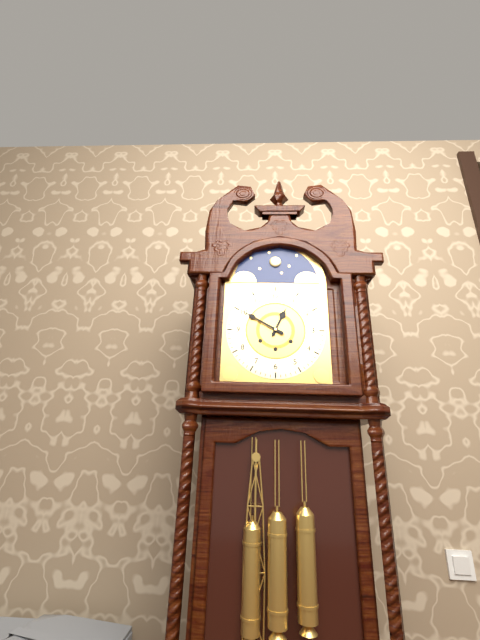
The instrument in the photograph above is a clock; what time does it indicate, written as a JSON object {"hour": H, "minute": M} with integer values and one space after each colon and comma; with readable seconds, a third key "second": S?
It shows {"hour": 12, "minute": 50}
